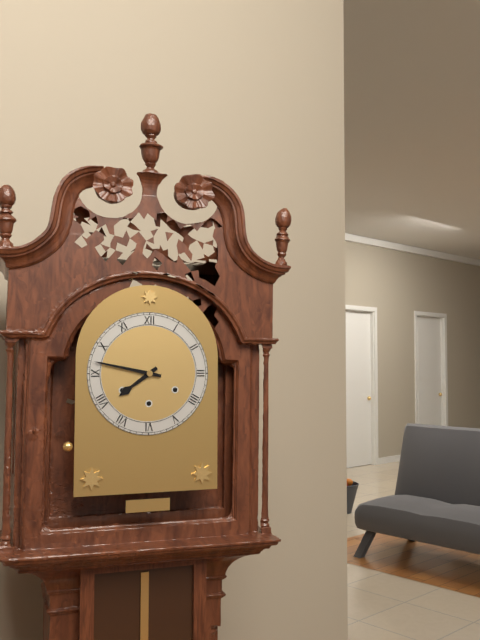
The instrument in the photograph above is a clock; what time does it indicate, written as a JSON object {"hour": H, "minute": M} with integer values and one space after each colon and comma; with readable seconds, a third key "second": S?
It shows {"hour": 7, "minute": 47}
